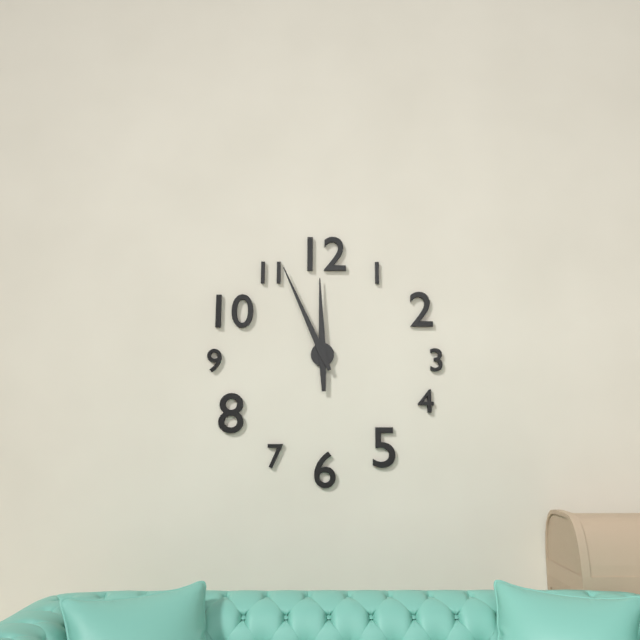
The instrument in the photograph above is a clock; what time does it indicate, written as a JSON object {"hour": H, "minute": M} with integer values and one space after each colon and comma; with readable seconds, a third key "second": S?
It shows {"hour": 11, "minute": 56}
